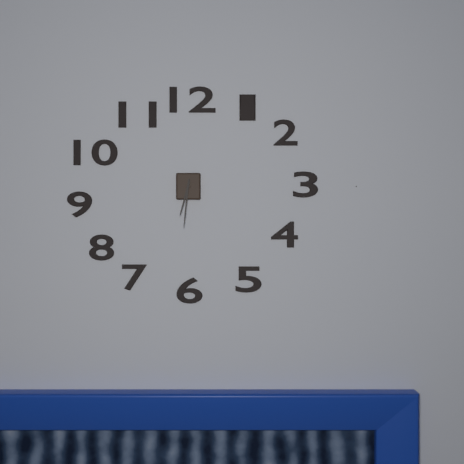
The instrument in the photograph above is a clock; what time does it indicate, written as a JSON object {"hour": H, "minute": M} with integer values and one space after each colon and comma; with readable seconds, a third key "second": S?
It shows {"hour": 6, "minute": 31}
